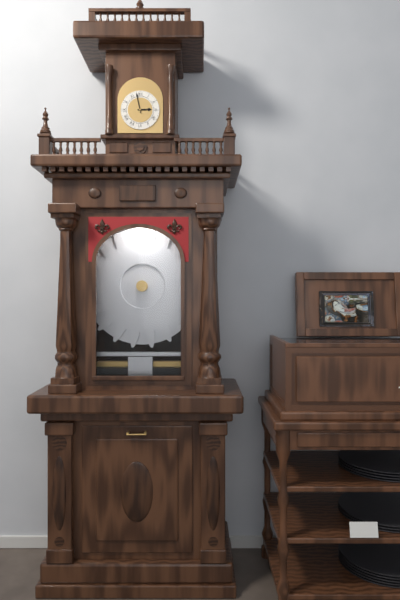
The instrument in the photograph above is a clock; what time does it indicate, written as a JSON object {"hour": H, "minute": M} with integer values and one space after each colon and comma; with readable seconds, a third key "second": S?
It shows {"hour": 2, "minute": 58}
